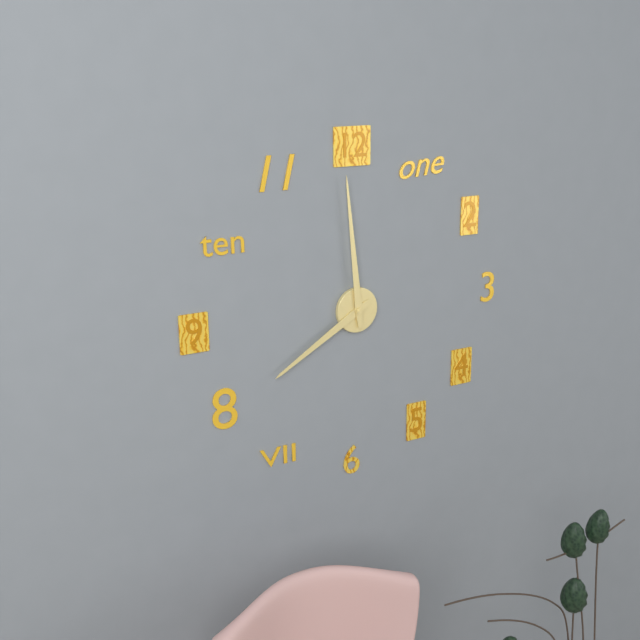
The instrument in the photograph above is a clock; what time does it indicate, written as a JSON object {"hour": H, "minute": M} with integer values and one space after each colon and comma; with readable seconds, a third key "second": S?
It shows {"hour": 7, "minute": 59}
